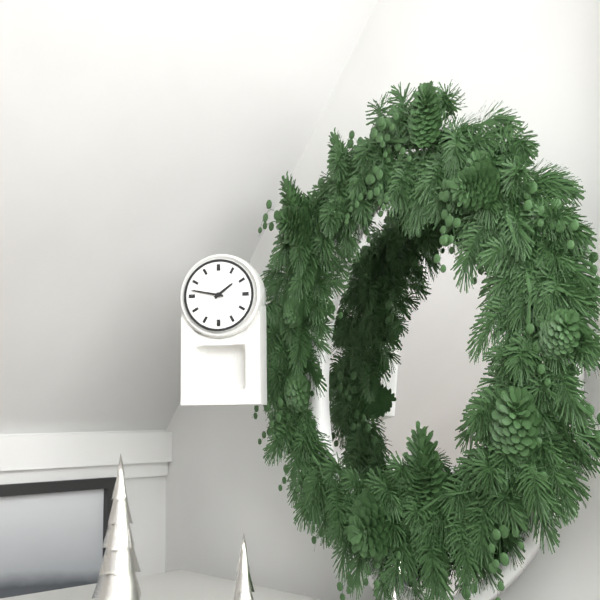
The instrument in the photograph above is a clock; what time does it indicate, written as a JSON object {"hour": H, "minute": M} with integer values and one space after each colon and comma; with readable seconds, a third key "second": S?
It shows {"hour": 1, "minute": 47}
